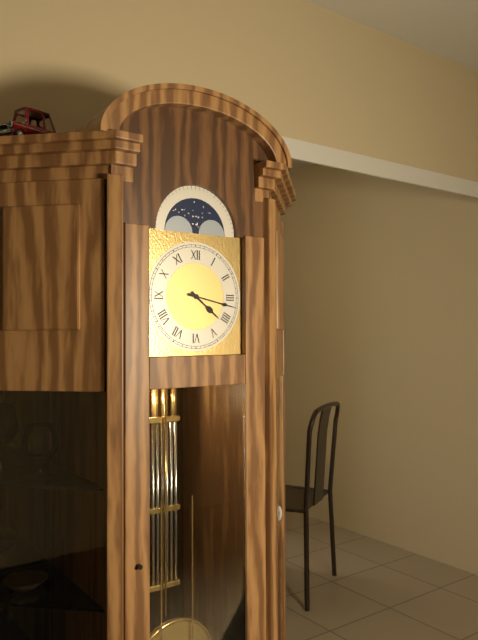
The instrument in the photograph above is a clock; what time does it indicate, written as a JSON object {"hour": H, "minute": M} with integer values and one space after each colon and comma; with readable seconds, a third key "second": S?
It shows {"hour": 4, "minute": 17}
